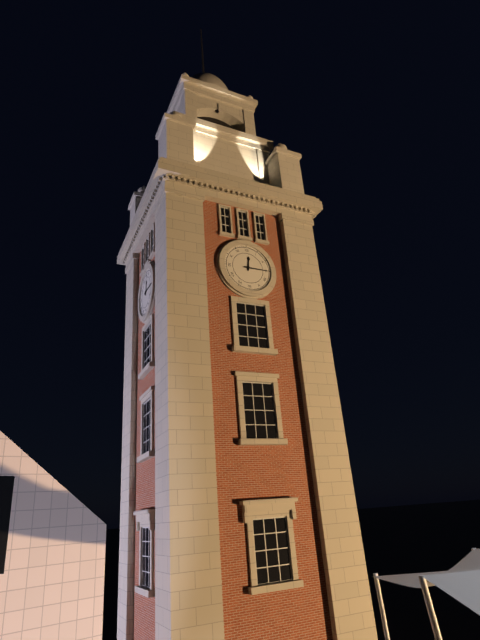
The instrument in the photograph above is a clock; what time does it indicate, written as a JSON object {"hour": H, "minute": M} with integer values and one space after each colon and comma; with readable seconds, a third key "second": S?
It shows {"hour": 12, "minute": 15}
